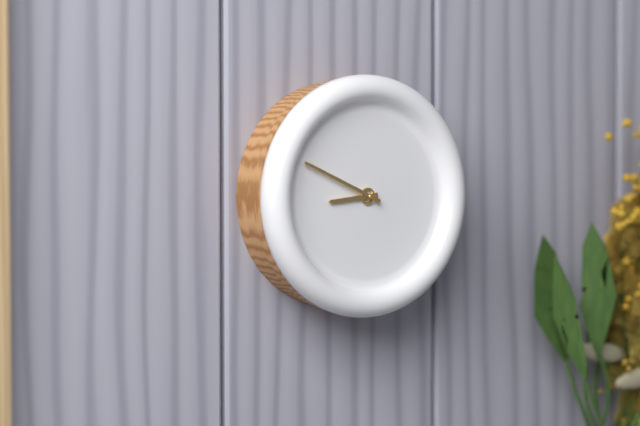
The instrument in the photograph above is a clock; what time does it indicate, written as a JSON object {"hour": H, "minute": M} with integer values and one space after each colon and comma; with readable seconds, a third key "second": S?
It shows {"hour": 8, "minute": 49}
